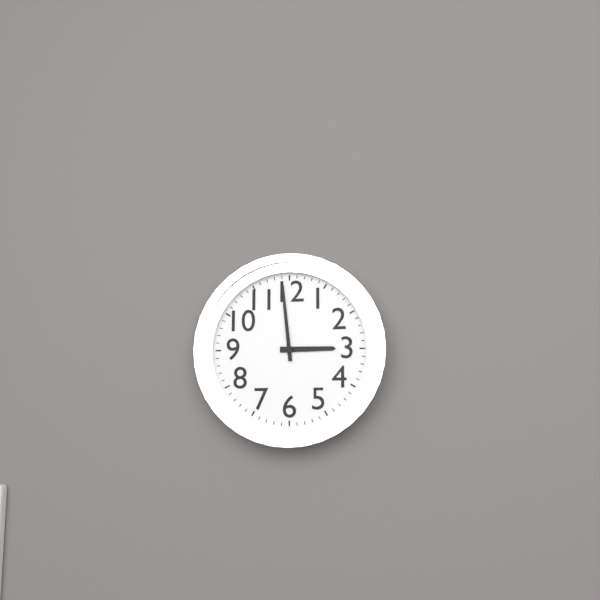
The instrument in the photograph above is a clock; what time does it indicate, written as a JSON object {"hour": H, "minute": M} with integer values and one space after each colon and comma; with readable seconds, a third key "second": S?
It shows {"hour": 2, "minute": 59}
